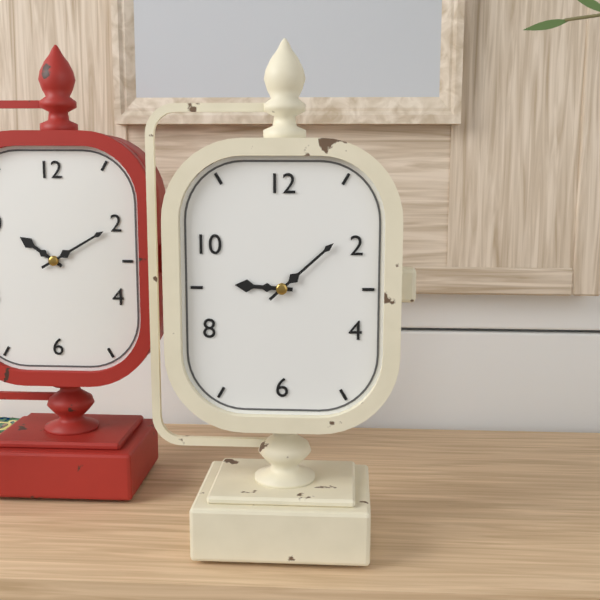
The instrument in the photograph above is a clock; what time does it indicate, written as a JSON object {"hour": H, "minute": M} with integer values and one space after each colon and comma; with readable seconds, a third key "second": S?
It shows {"hour": 9, "minute": 8}
